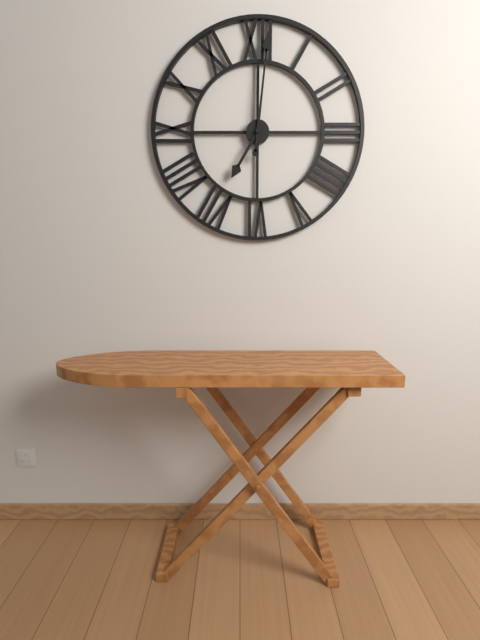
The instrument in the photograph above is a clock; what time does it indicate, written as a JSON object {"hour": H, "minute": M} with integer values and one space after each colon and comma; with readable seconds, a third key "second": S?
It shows {"hour": 7, "minute": 1}
